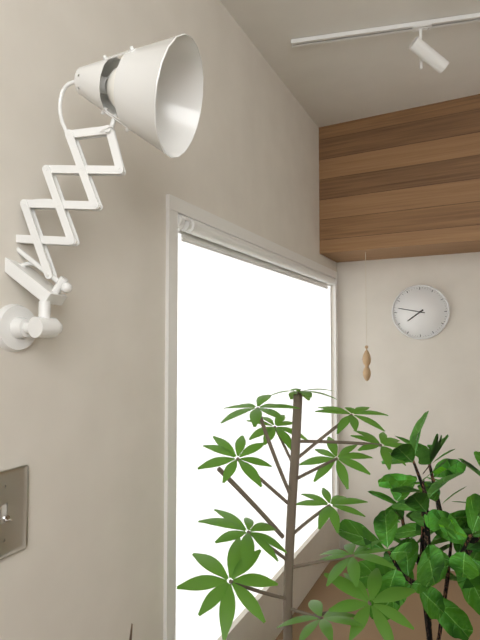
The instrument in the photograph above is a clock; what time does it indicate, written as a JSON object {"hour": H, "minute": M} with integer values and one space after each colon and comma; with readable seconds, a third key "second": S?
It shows {"hour": 7, "minute": 47}
